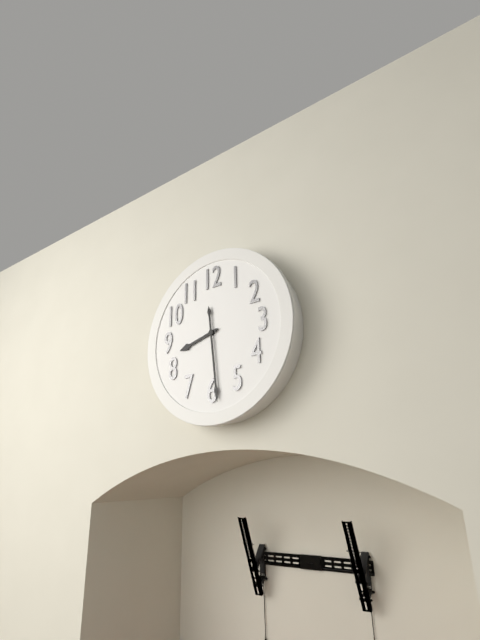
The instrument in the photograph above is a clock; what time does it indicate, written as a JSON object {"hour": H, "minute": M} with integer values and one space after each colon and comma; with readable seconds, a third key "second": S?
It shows {"hour": 8, "minute": 29}
